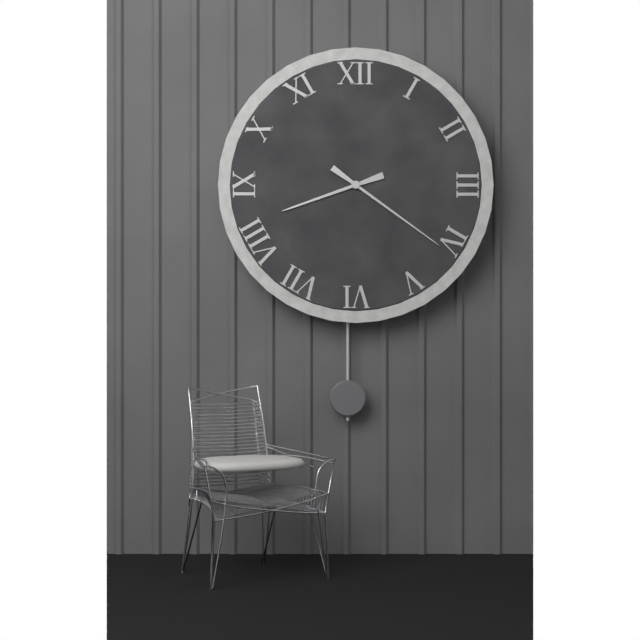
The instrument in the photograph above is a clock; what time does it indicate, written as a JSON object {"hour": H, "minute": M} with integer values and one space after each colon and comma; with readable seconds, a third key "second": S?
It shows {"hour": 8, "minute": 21}
